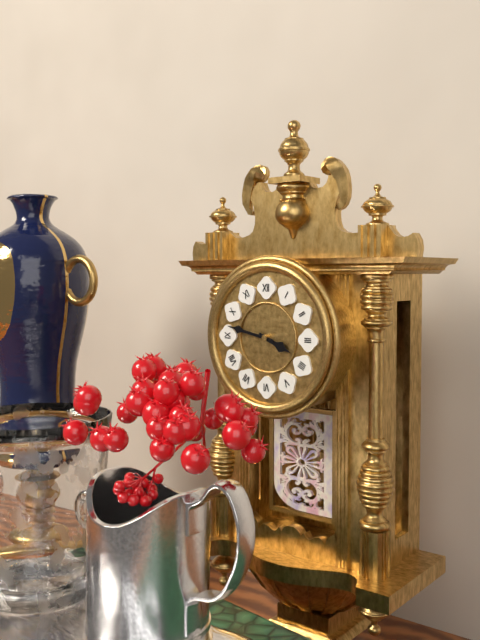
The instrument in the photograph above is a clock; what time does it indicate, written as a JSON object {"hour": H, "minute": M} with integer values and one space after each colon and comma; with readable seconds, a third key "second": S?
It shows {"hour": 3, "minute": 47}
